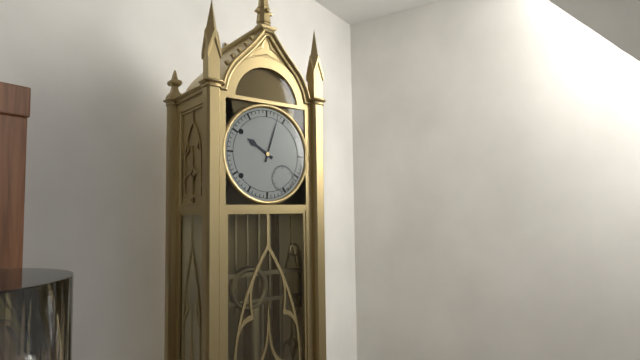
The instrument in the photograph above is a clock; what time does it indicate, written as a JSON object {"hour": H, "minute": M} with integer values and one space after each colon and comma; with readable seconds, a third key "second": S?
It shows {"hour": 10, "minute": 3}
